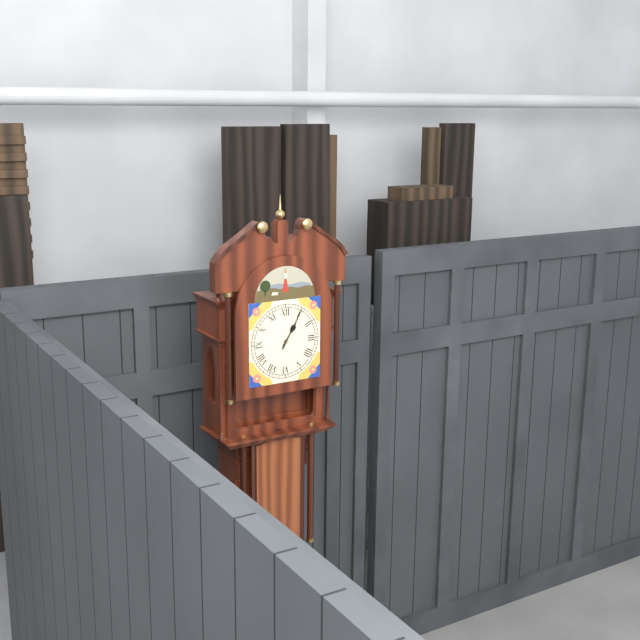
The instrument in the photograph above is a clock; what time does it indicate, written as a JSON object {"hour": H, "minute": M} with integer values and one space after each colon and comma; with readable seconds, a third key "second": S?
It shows {"hour": 1, "minute": 5}
